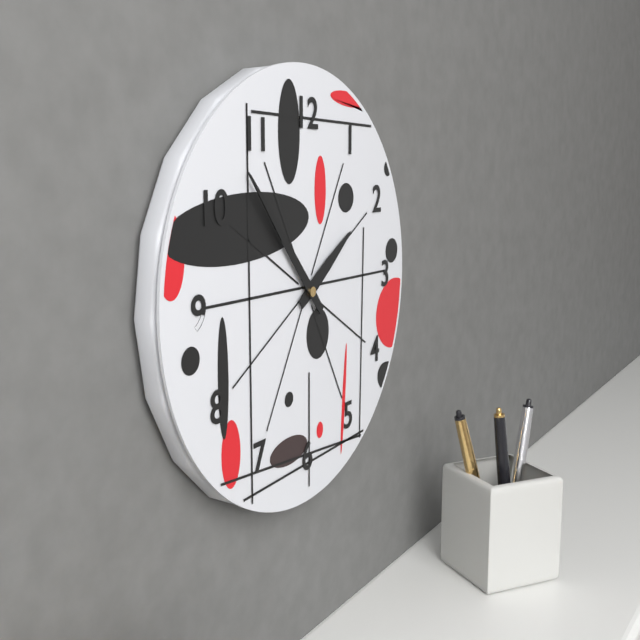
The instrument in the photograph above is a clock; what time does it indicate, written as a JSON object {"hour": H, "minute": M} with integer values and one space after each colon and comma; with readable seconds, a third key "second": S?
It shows {"hour": 1, "minute": 53}
